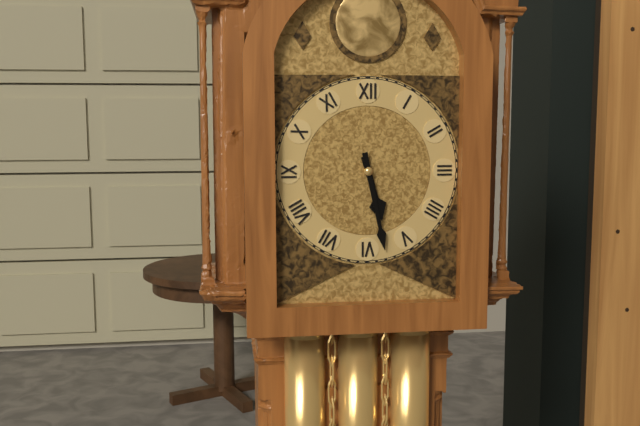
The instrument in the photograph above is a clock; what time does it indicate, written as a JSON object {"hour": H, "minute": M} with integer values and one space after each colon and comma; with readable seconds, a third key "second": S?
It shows {"hour": 5, "minute": 28}
